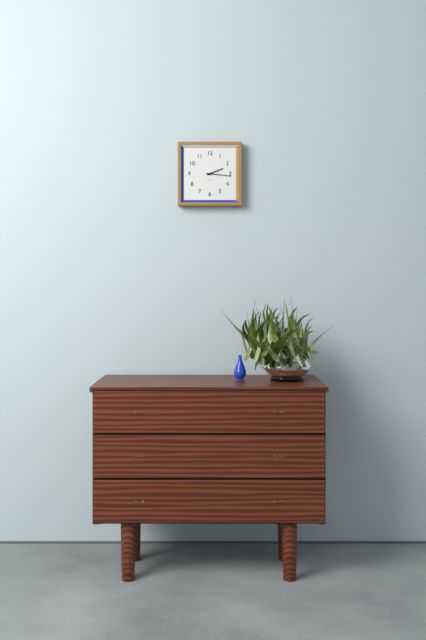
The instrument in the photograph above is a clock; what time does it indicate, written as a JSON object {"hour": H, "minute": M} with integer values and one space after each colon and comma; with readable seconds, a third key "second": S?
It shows {"hour": 2, "minute": 16}
